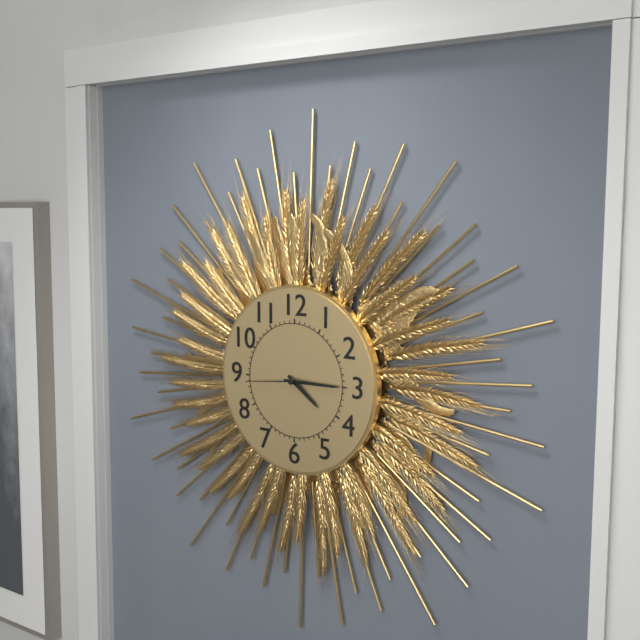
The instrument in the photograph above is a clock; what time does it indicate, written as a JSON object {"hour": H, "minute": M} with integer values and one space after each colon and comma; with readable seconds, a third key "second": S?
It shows {"hour": 4, "minute": 15, "second": 44}
